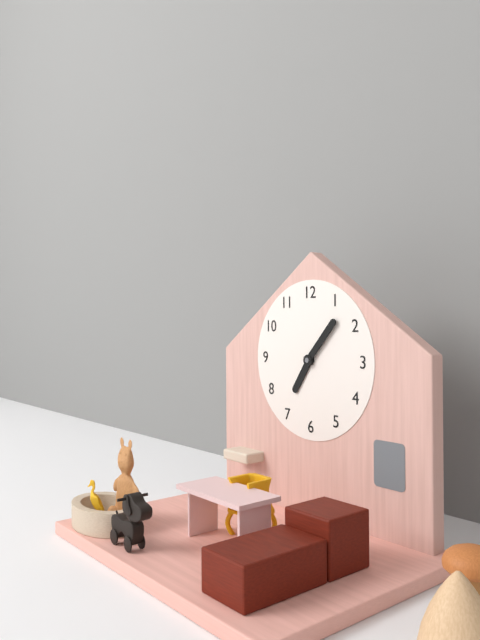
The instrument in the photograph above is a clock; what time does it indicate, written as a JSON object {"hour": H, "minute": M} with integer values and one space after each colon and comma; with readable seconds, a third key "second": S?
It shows {"hour": 7, "minute": 7}
